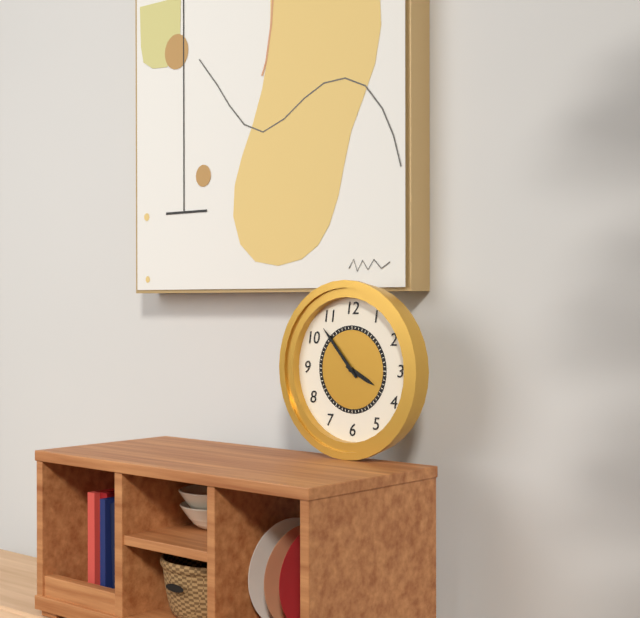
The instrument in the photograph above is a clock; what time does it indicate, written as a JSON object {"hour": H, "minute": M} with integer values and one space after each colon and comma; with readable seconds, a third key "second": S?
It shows {"hour": 3, "minute": 53}
